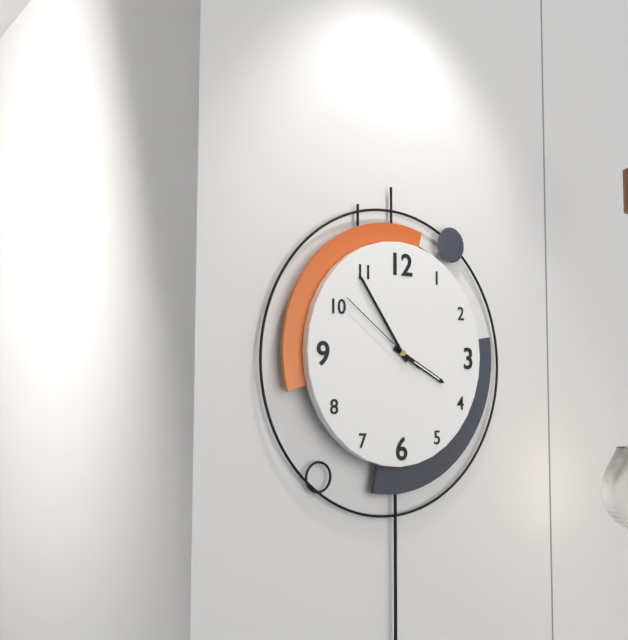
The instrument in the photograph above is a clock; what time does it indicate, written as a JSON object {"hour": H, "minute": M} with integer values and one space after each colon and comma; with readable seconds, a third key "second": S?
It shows {"hour": 3, "minute": 54, "second": 51}
